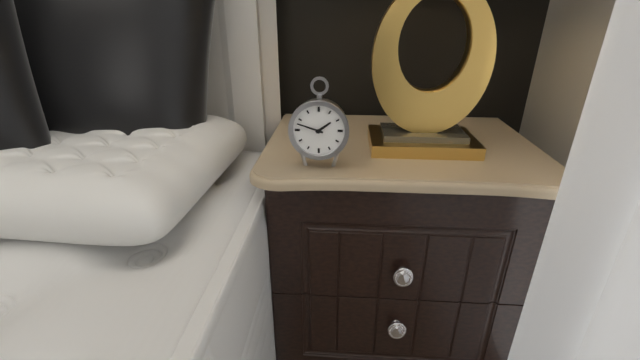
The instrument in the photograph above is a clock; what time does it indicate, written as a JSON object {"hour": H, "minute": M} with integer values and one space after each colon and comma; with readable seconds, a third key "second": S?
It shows {"hour": 1, "minute": 48}
